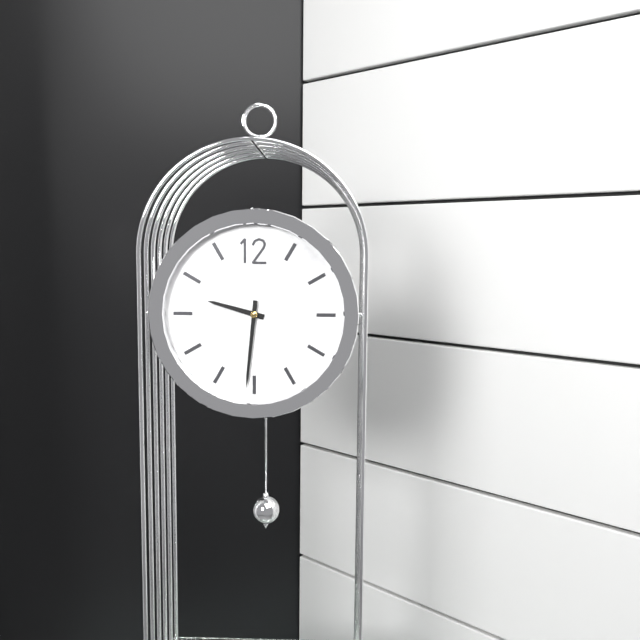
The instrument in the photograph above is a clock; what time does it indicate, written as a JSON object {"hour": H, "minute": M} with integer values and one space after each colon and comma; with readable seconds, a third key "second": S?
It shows {"hour": 9, "minute": 31}
